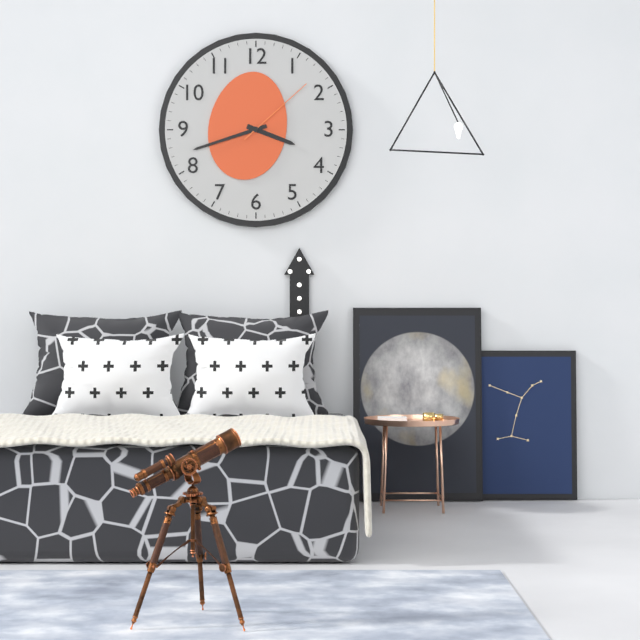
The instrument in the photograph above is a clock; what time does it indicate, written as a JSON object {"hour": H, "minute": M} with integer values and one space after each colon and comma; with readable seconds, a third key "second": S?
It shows {"hour": 3, "minute": 42, "second": 8}
